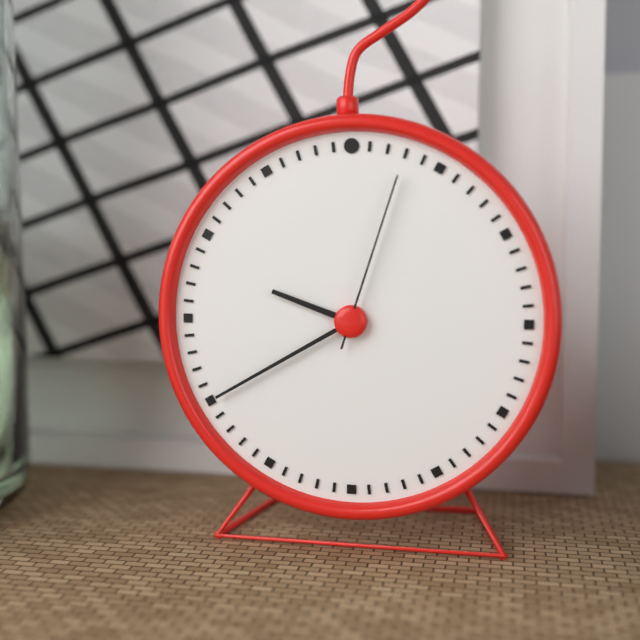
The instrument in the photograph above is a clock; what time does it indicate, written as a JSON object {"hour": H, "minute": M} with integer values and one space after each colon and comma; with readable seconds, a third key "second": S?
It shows {"hour": 9, "minute": 40, "second": 3}
